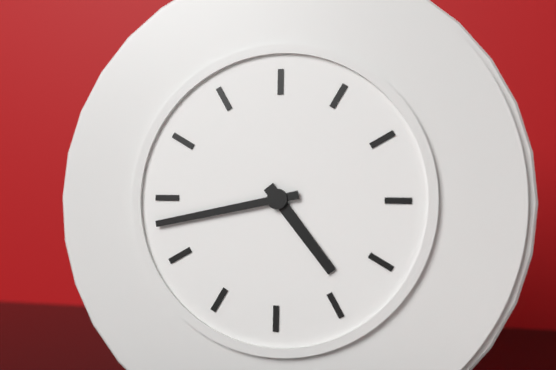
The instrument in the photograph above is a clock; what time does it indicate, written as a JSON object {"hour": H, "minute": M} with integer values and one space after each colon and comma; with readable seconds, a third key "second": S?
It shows {"hour": 4, "minute": 43}
